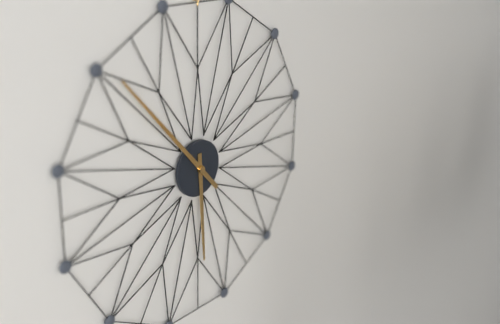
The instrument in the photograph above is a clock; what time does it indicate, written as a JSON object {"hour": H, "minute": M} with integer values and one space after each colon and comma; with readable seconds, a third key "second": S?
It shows {"hour": 5, "minute": 53}
